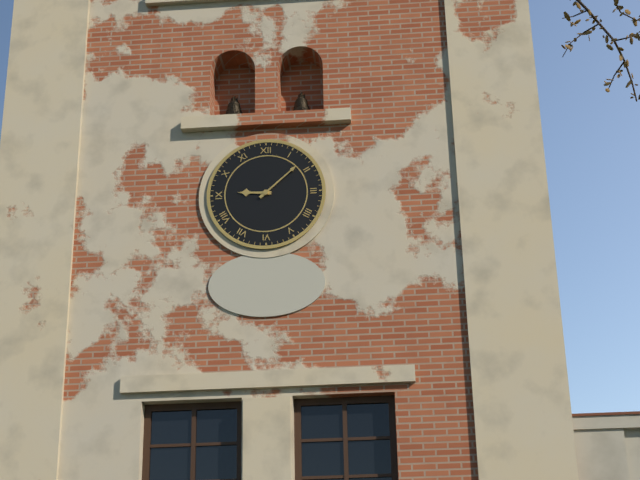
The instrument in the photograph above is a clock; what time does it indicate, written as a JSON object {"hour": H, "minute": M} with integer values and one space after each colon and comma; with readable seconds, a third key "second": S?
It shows {"hour": 9, "minute": 8}
